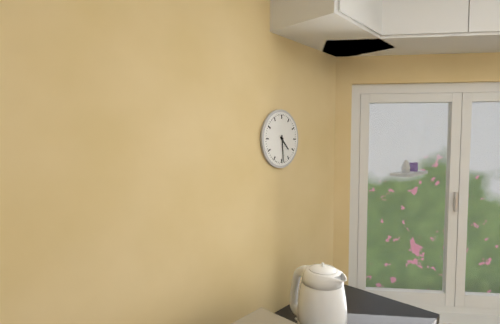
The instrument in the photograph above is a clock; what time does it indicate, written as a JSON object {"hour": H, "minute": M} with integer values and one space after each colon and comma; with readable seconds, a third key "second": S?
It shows {"hour": 4, "minute": 29}
